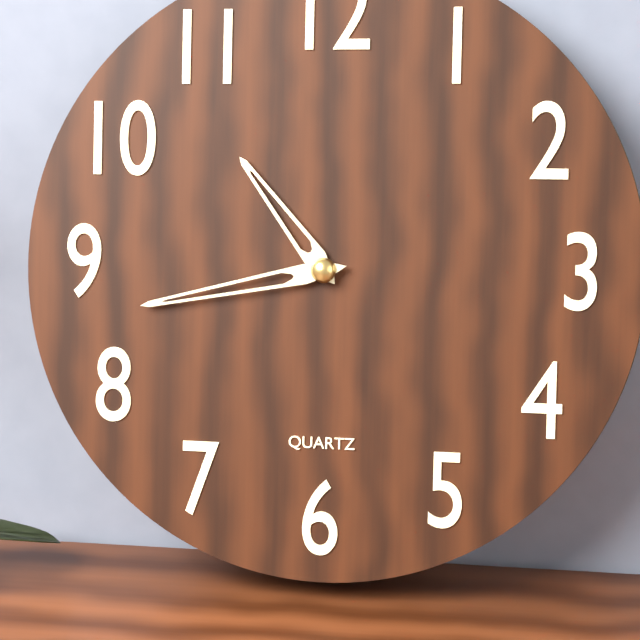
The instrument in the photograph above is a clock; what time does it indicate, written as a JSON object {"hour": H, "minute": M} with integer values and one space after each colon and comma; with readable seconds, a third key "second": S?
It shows {"hour": 10, "minute": 43}
